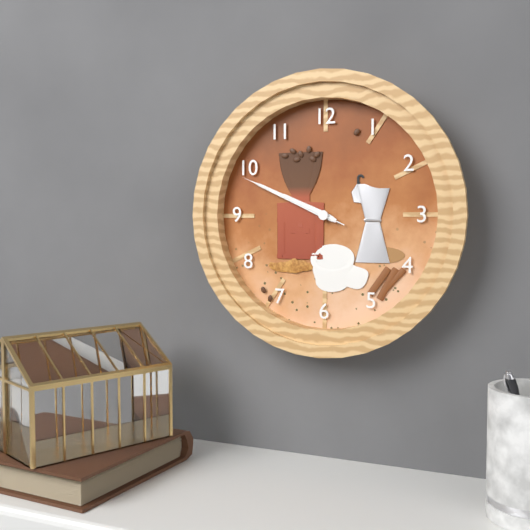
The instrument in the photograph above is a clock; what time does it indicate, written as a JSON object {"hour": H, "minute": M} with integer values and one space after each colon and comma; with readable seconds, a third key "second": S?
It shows {"hour": 9, "minute": 49, "second": 49}
